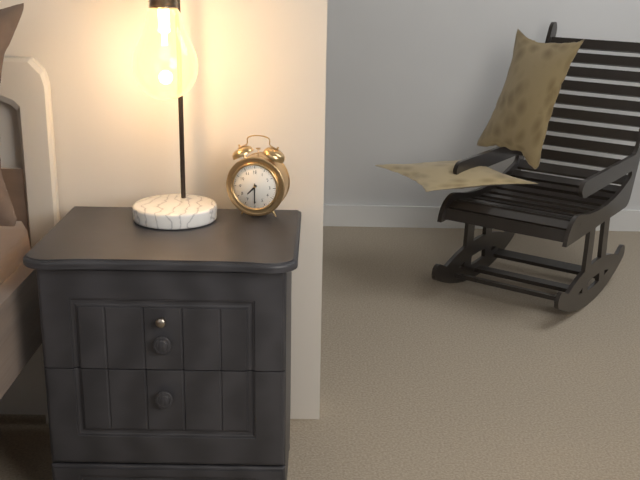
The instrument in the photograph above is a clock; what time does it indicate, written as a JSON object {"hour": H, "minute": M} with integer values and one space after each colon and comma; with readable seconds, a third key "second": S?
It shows {"hour": 7, "minute": 30}
